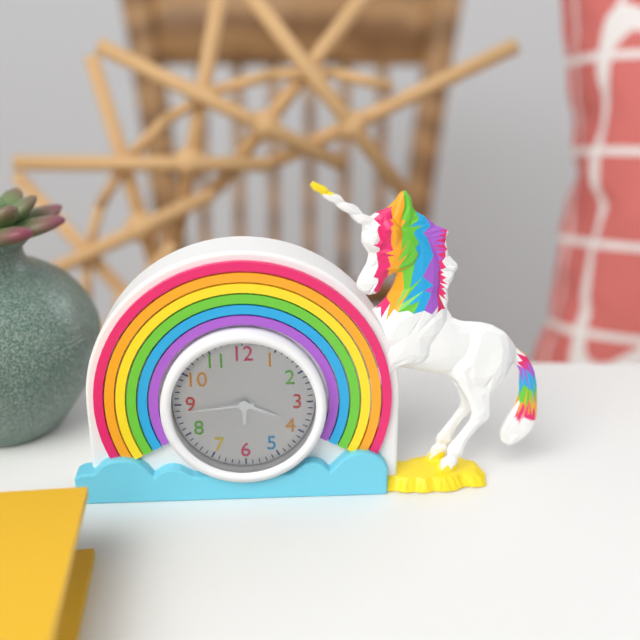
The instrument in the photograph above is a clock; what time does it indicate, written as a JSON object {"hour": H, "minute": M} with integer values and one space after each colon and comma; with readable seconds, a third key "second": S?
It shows {"hour": 3, "minute": 44}
